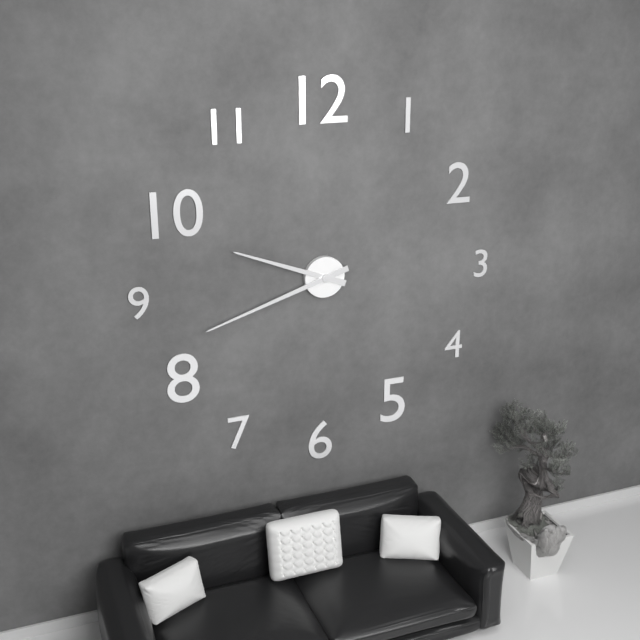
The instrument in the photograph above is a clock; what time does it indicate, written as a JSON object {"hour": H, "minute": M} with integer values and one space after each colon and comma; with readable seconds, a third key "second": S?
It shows {"hour": 9, "minute": 42}
